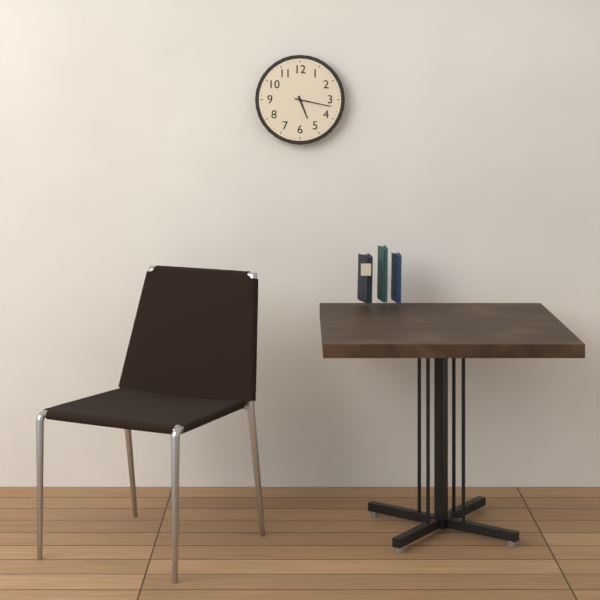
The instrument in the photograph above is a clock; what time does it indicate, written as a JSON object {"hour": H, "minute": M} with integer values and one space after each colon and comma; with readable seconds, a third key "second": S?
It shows {"hour": 5, "minute": 17}
